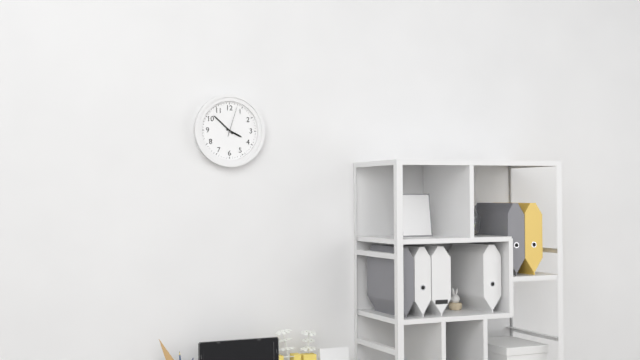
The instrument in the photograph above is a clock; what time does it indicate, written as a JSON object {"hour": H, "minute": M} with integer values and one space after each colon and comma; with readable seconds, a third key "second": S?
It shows {"hour": 3, "minute": 52}
